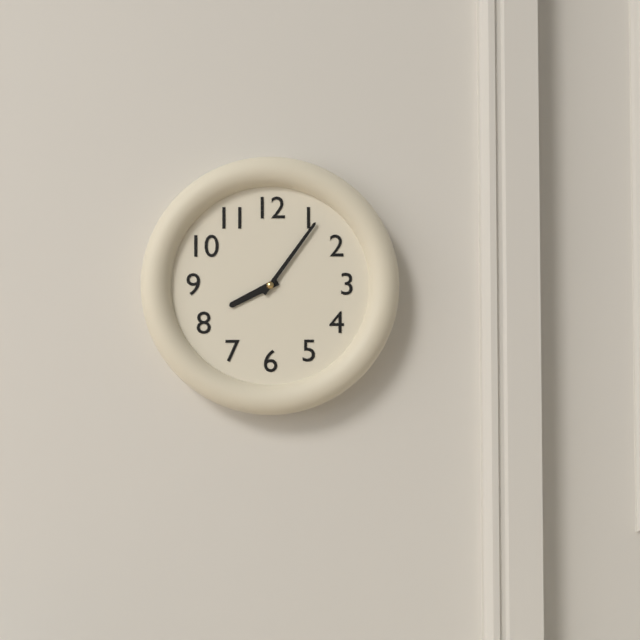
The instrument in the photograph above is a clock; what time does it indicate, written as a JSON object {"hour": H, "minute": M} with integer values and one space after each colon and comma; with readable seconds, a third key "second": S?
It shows {"hour": 8, "minute": 6}
